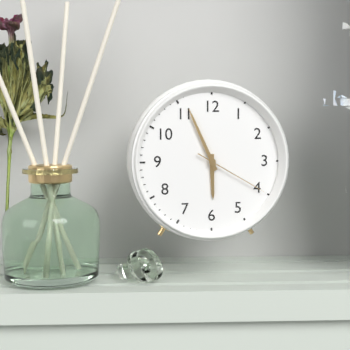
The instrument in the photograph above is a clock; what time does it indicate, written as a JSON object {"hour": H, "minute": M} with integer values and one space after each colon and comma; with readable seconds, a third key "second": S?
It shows {"hour": 5, "minute": 56, "second": 20}
